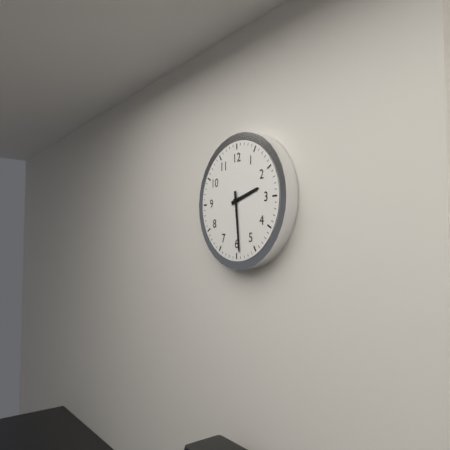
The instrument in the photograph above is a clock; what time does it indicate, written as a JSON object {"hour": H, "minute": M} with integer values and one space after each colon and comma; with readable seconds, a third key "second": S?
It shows {"hour": 2, "minute": 29}
